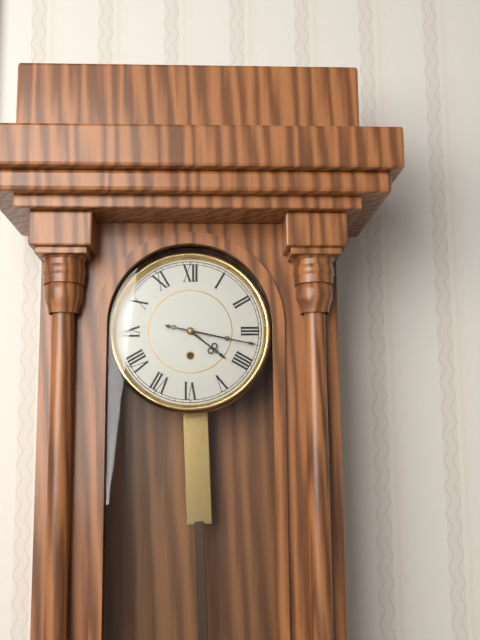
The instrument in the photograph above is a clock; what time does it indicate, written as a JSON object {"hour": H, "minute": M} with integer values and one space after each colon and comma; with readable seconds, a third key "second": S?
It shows {"hour": 4, "minute": 17}
